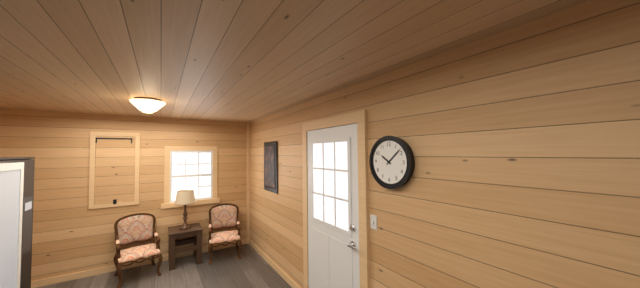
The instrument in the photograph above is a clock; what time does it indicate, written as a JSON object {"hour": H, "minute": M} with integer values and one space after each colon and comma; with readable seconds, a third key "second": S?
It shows {"hour": 10, "minute": 8}
